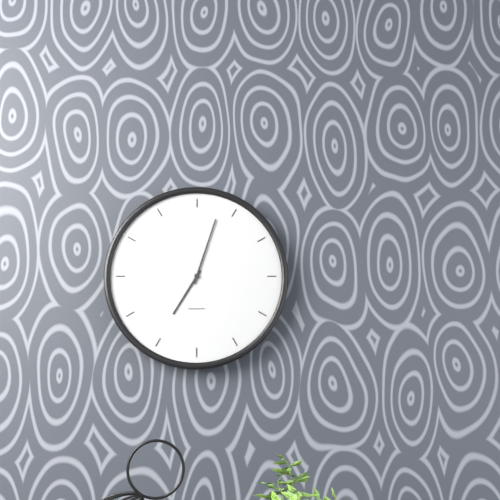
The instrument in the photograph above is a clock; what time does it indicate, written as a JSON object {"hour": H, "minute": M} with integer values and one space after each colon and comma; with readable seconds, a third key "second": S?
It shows {"hour": 7, "minute": 3}
